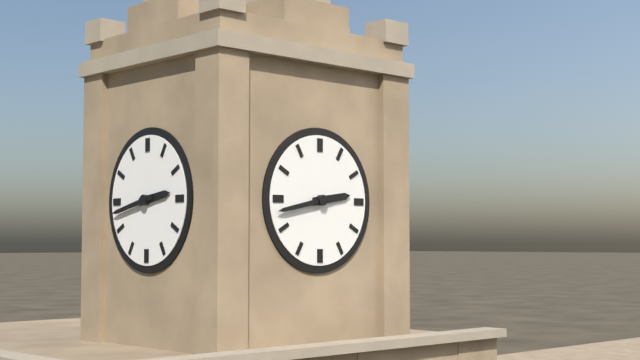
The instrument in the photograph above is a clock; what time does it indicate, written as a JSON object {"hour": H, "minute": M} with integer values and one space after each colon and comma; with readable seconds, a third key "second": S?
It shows {"hour": 2, "minute": 43}
